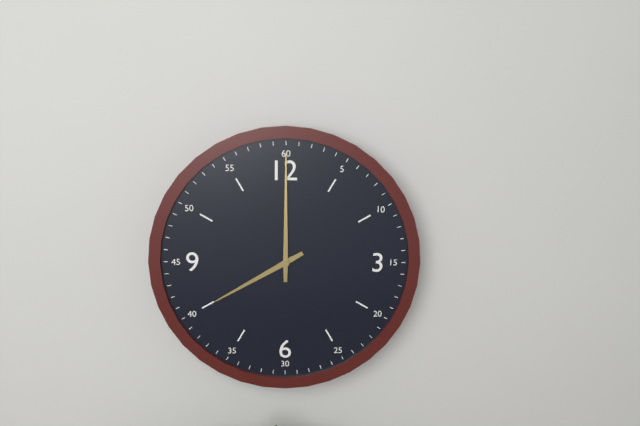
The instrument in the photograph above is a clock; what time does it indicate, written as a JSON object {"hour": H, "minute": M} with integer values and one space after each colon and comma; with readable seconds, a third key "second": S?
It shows {"hour": 8, "minute": 0}
